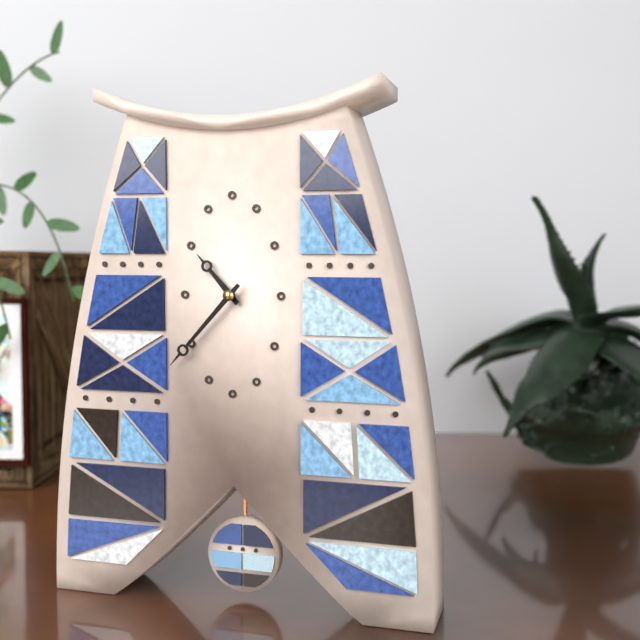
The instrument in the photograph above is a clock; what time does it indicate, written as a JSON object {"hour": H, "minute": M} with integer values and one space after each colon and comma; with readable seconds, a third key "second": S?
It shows {"hour": 10, "minute": 37}
